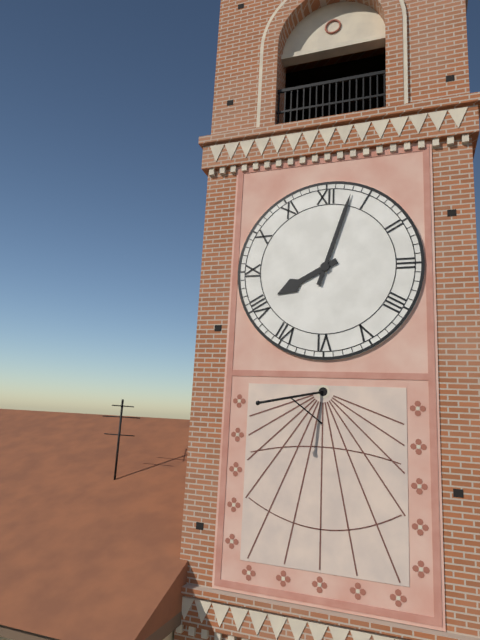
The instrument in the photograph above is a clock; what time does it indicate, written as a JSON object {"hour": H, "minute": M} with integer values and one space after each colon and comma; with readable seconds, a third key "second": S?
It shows {"hour": 8, "minute": 3}
